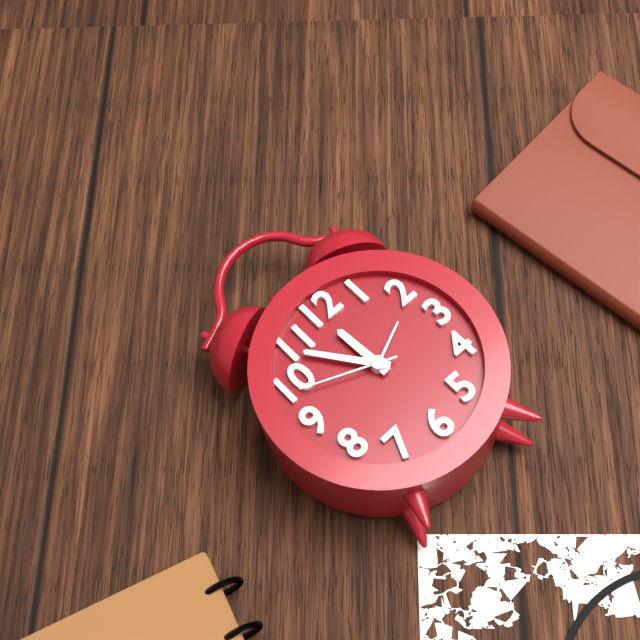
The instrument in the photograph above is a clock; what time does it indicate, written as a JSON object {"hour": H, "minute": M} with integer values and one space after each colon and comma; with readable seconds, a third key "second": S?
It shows {"hour": 11, "minute": 54, "second": 49}
